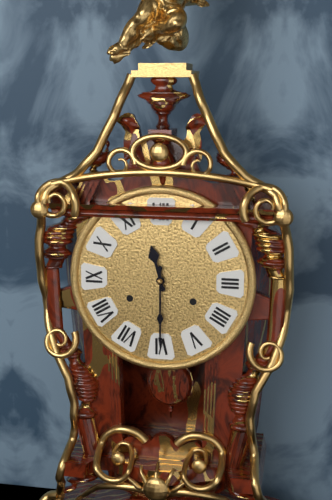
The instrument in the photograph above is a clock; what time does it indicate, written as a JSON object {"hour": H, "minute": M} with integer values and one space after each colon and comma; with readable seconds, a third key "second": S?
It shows {"hour": 11, "minute": 30}
